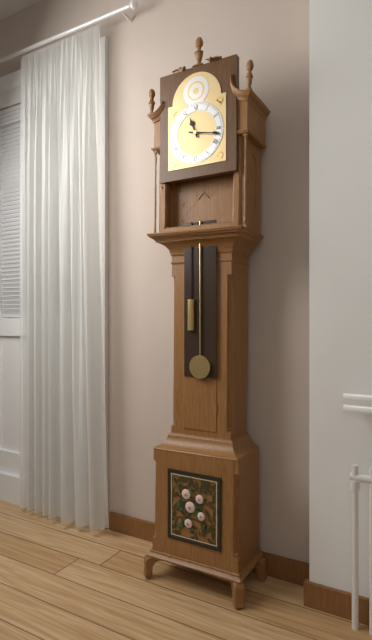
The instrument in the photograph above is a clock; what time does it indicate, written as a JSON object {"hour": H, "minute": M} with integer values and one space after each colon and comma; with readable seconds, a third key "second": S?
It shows {"hour": 11, "minute": 17}
